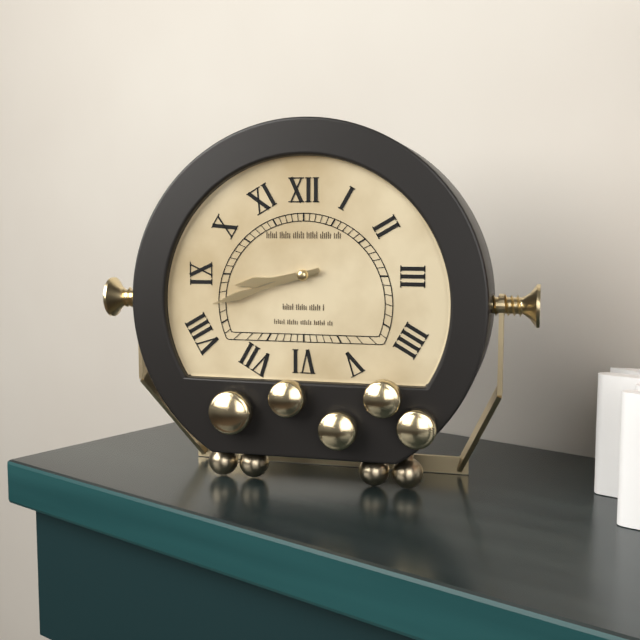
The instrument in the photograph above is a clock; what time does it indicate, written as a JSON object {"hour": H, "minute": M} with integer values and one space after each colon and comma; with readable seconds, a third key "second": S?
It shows {"hour": 8, "minute": 42}
